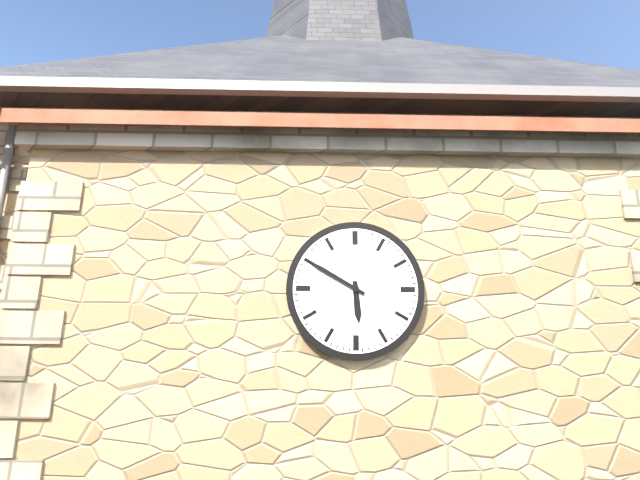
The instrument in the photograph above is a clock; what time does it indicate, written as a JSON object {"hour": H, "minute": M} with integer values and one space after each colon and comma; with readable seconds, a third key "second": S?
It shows {"hour": 5, "minute": 50}
